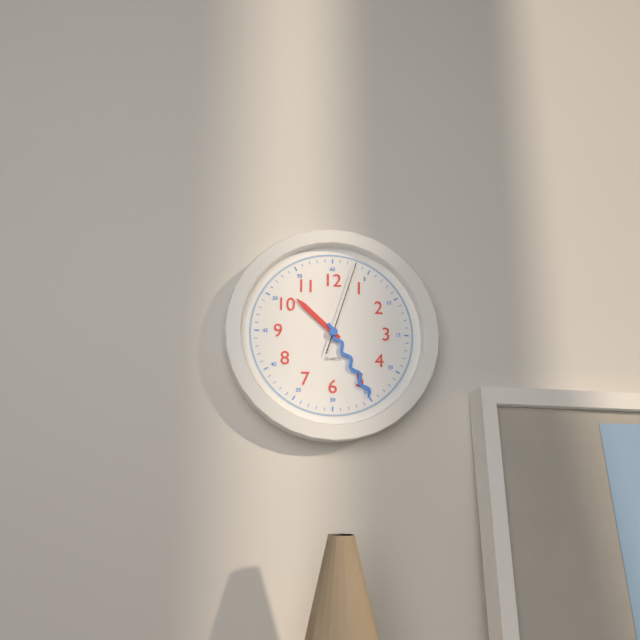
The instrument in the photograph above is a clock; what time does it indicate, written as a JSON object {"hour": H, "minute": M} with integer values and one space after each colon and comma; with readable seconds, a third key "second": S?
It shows {"hour": 10, "minute": 25, "second": 3}
